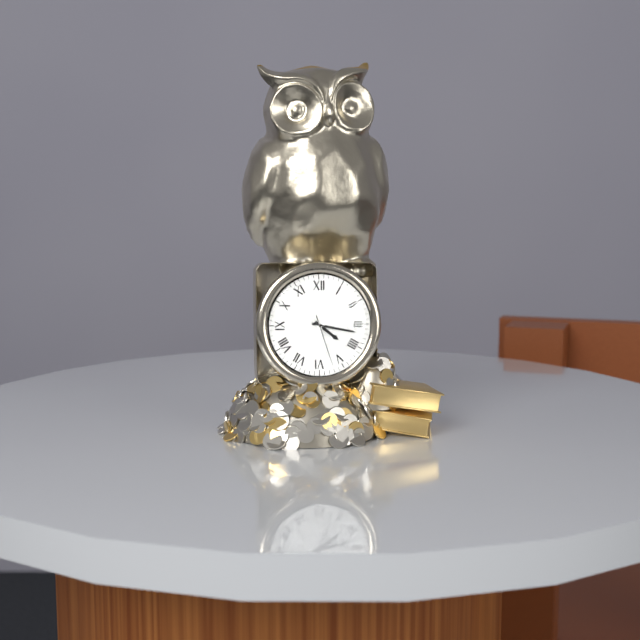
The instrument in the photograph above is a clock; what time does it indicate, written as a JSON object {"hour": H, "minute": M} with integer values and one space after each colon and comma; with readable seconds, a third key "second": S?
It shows {"hour": 4, "minute": 17, "second": 27}
